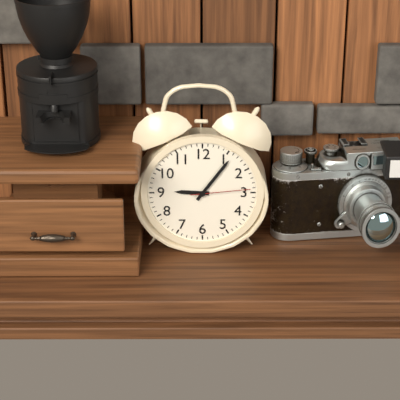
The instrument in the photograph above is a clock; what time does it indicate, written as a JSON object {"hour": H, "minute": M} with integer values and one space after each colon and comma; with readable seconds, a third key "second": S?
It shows {"hour": 9, "minute": 6, "second": 14}
